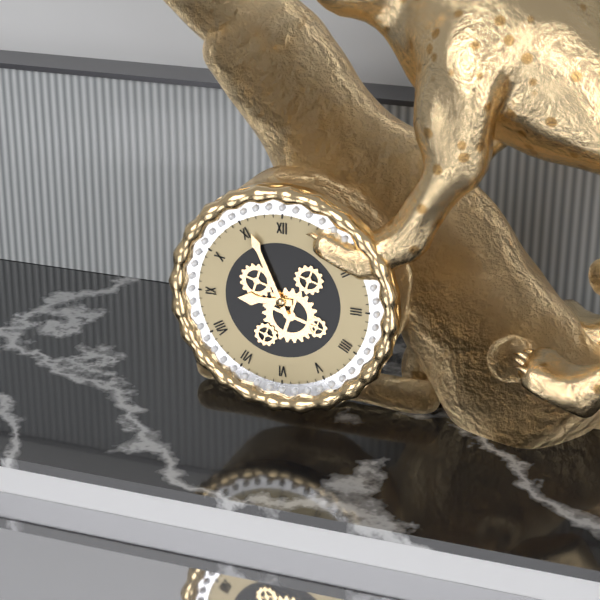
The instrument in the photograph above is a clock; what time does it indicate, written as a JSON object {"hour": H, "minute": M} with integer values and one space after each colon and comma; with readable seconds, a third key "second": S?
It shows {"hour": 8, "minute": 56}
